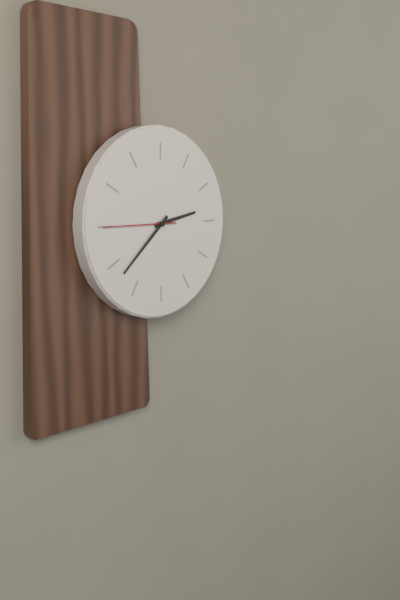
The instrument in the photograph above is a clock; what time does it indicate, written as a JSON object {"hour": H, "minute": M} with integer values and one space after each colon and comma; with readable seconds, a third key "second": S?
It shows {"hour": 2, "minute": 38, "second": 45}
